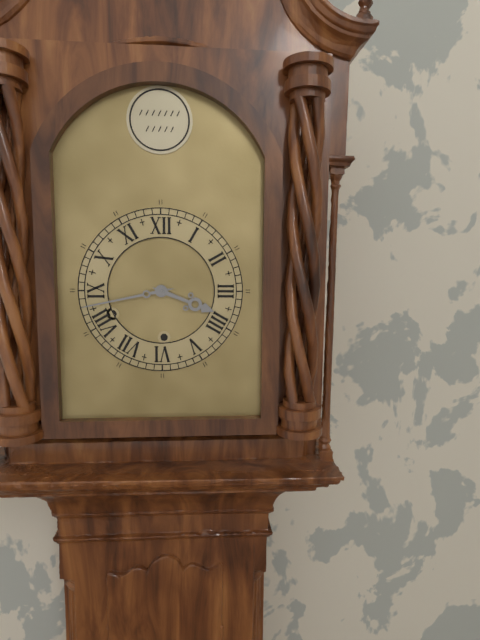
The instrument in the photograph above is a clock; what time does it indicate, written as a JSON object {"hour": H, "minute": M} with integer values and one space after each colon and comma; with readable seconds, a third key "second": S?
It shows {"hour": 3, "minute": 43}
